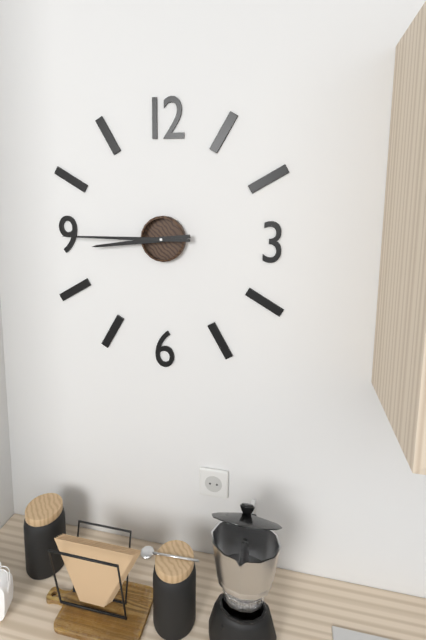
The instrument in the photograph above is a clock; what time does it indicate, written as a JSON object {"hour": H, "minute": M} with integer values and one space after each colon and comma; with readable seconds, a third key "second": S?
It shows {"hour": 8, "minute": 45}
